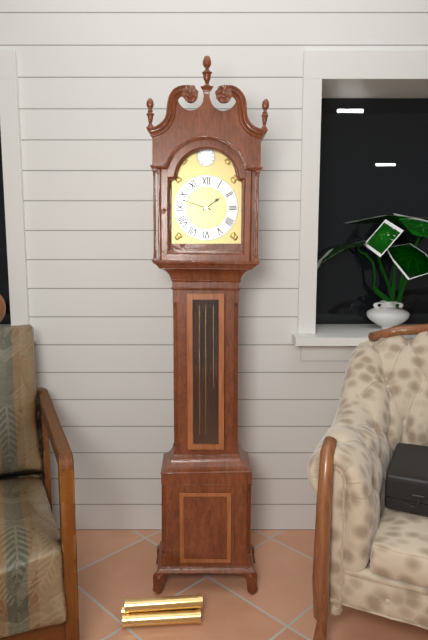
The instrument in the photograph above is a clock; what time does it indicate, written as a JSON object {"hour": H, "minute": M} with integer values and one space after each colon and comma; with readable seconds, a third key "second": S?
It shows {"hour": 1, "minute": 48}
